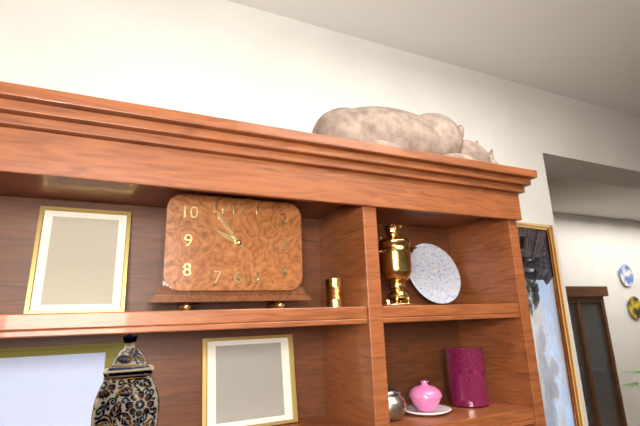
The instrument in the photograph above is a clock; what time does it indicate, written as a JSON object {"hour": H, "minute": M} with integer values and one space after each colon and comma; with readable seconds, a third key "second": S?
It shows {"hour": 9, "minute": 54}
